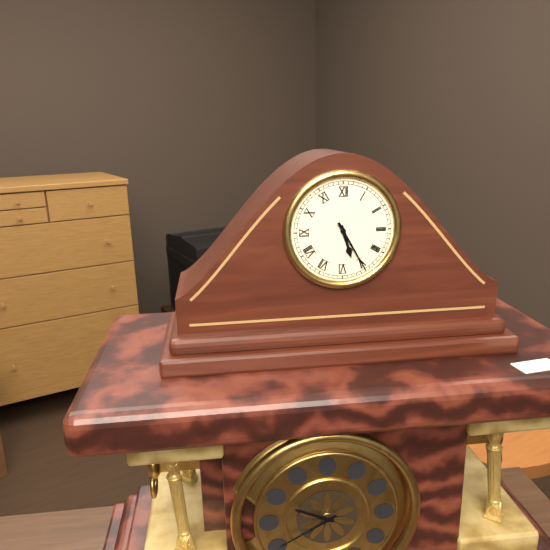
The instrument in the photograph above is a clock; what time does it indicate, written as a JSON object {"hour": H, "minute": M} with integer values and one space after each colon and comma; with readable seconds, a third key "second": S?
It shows {"hour": 5, "minute": 25}
